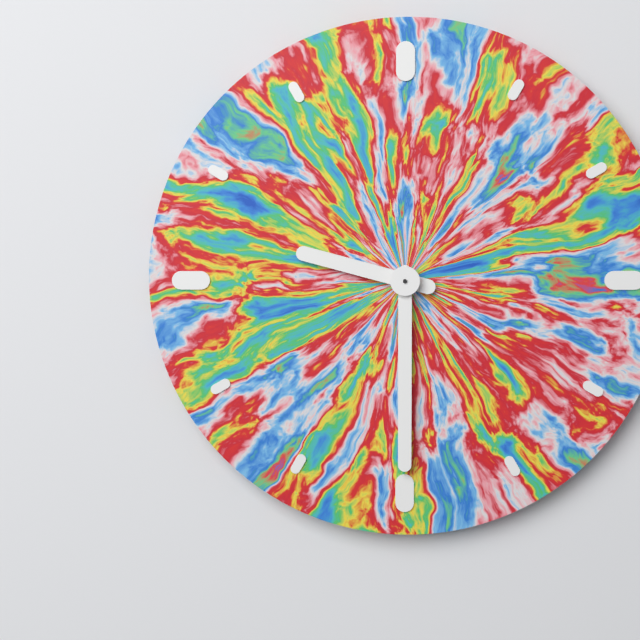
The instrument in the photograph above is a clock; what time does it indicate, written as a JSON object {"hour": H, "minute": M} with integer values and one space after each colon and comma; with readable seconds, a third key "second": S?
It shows {"hour": 9, "minute": 30}
